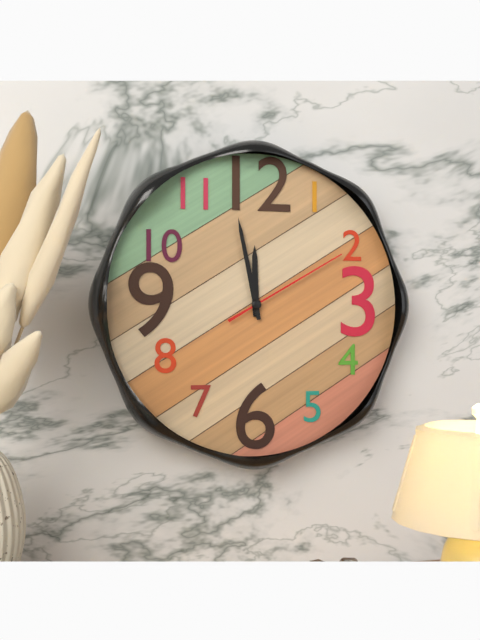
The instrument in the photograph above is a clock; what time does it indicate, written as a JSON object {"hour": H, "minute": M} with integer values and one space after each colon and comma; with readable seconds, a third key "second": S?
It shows {"hour": 11, "minute": 58, "second": 10}
